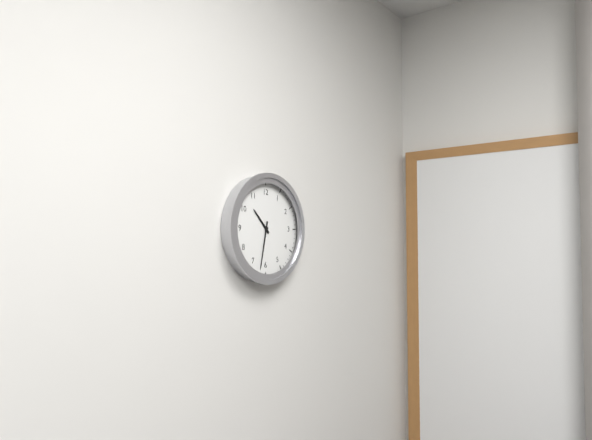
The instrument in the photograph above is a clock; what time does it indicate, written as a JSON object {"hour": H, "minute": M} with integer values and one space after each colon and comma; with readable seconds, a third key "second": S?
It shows {"hour": 10, "minute": 32}
